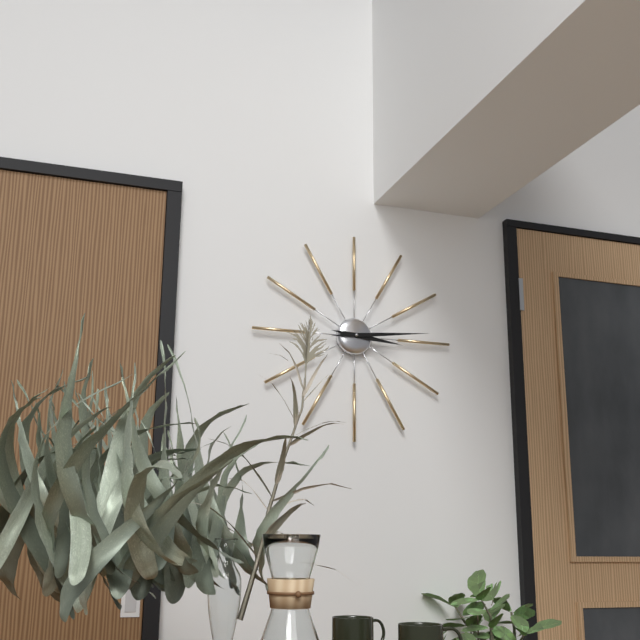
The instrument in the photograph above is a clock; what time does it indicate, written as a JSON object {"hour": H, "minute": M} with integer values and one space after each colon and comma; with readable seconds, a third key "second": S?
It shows {"hour": 3, "minute": 14}
